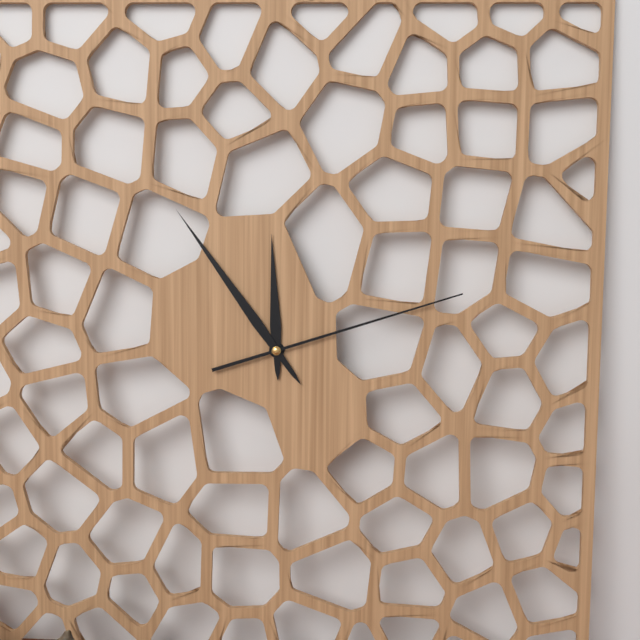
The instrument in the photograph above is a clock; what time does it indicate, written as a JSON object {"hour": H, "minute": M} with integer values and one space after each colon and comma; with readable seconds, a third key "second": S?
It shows {"hour": 11, "minute": 54, "second": 12}
